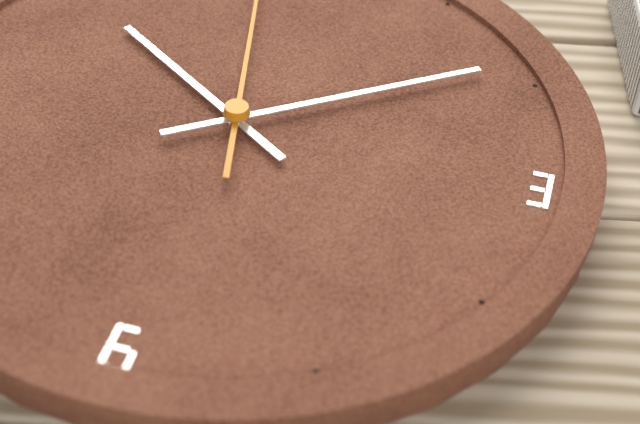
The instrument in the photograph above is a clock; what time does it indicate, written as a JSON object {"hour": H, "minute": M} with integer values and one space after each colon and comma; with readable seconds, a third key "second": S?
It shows {"hour": 10, "minute": 9}
